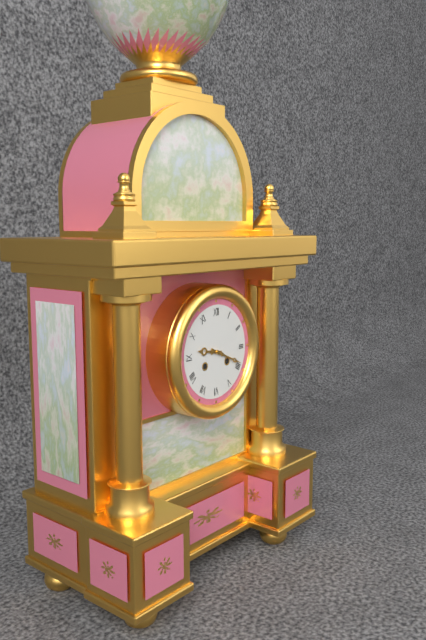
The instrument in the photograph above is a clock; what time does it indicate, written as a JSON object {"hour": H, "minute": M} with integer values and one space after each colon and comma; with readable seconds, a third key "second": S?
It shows {"hour": 9, "minute": 19}
